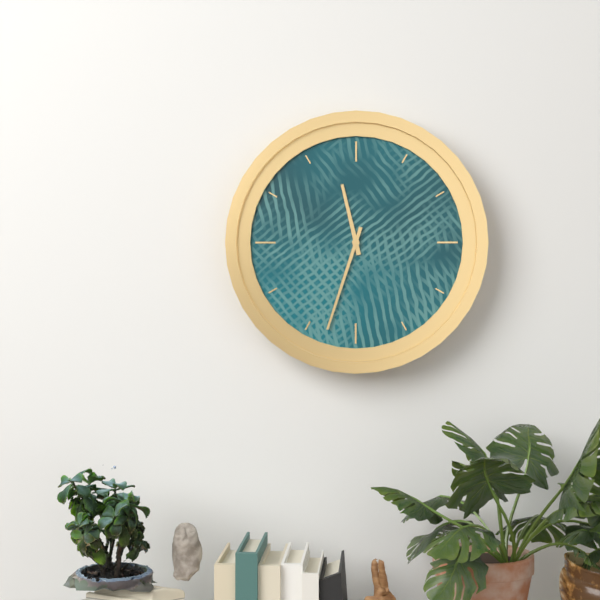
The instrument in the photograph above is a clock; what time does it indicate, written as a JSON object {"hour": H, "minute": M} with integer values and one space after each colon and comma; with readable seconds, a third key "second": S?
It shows {"hour": 11, "minute": 33}
